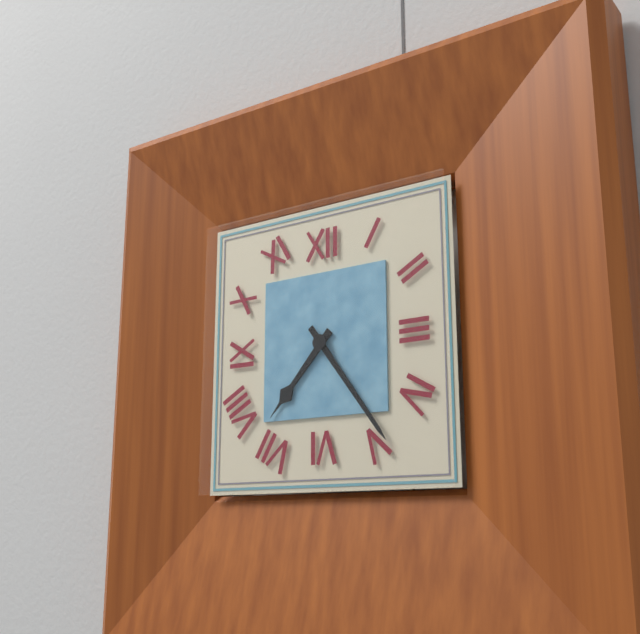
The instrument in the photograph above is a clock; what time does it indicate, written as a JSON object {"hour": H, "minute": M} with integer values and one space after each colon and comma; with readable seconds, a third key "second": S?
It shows {"hour": 7, "minute": 24}
